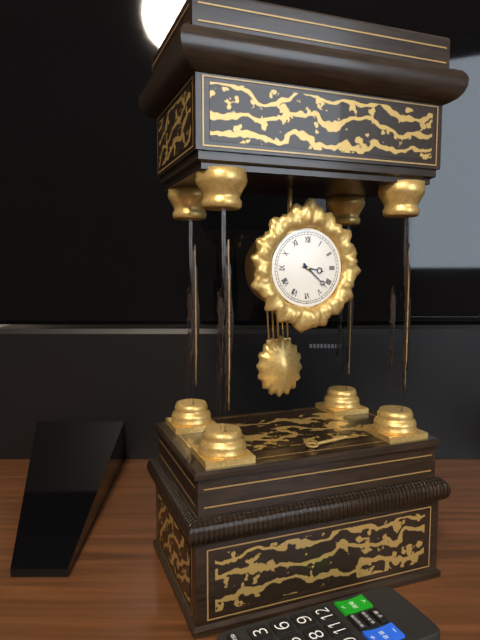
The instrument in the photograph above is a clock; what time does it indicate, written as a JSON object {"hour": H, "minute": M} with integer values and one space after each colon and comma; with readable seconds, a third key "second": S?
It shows {"hour": 3, "minute": 22}
